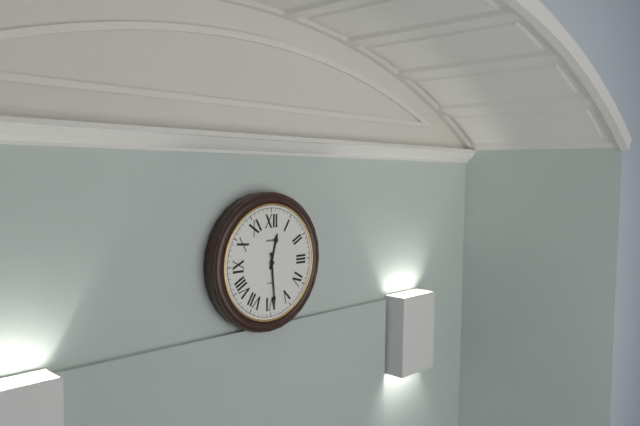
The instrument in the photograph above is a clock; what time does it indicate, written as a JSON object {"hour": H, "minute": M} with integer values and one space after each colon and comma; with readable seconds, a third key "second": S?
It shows {"hour": 12, "minute": 29}
